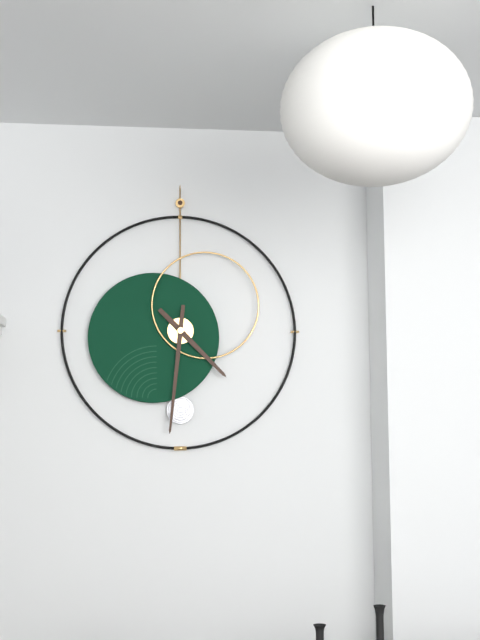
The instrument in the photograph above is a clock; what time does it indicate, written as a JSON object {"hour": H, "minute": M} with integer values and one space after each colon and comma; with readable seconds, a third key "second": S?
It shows {"hour": 4, "minute": 31}
